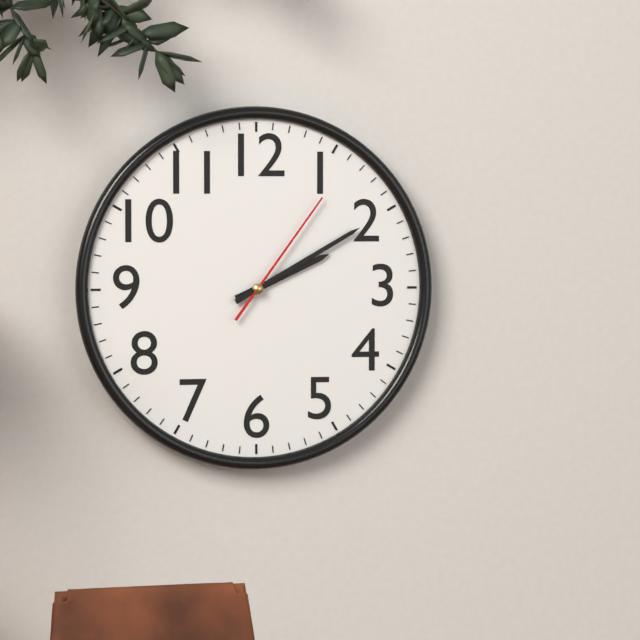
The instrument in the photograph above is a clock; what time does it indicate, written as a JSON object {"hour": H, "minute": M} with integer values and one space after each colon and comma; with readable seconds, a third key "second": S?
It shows {"hour": 2, "minute": 10, "second": 6}
